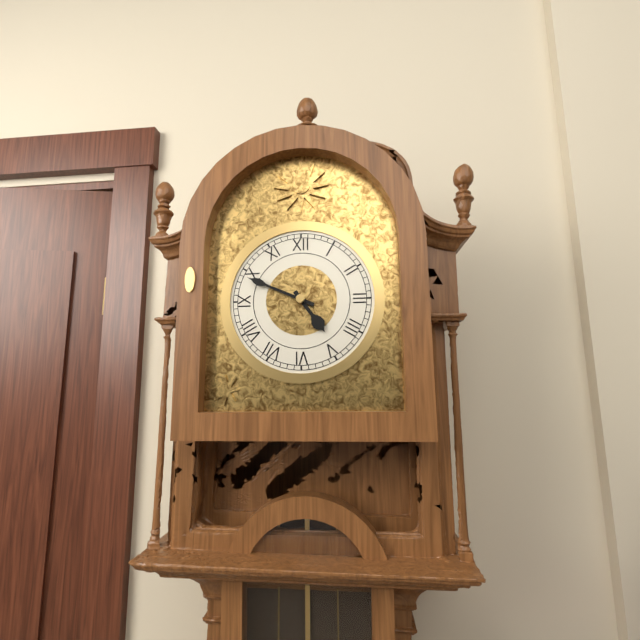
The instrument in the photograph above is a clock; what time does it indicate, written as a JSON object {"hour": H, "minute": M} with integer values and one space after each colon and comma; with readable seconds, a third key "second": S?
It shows {"hour": 4, "minute": 49}
